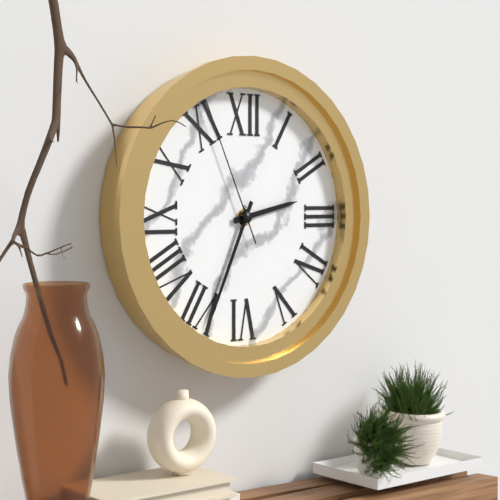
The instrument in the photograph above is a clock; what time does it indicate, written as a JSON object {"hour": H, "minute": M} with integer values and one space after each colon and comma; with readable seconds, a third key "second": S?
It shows {"hour": 2, "minute": 34, "second": 56}
